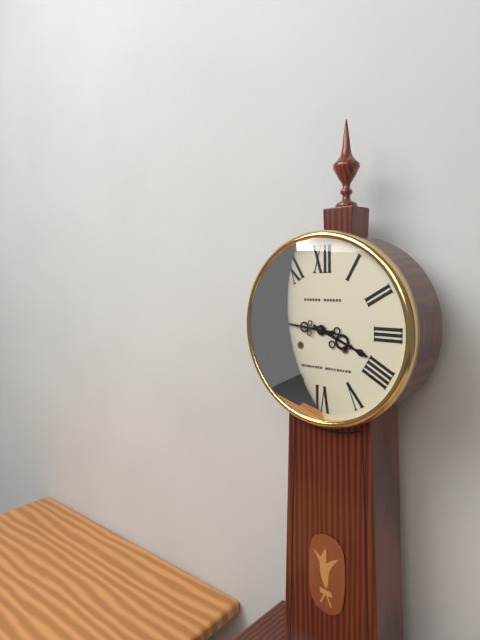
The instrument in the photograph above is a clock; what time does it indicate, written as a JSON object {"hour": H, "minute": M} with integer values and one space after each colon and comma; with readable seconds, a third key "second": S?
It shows {"hour": 3, "minute": 46}
